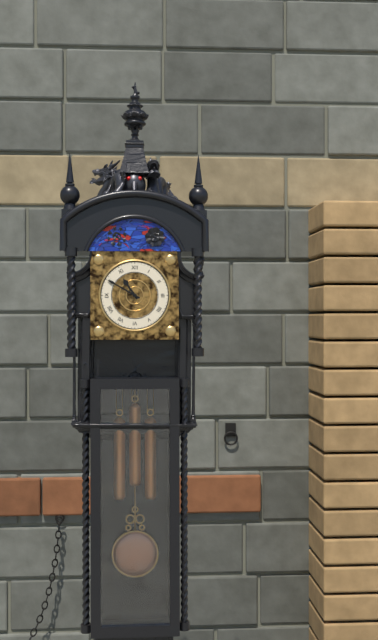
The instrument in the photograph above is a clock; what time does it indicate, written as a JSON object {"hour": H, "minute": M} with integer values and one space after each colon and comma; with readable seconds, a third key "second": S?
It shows {"hour": 10, "minute": 50}
